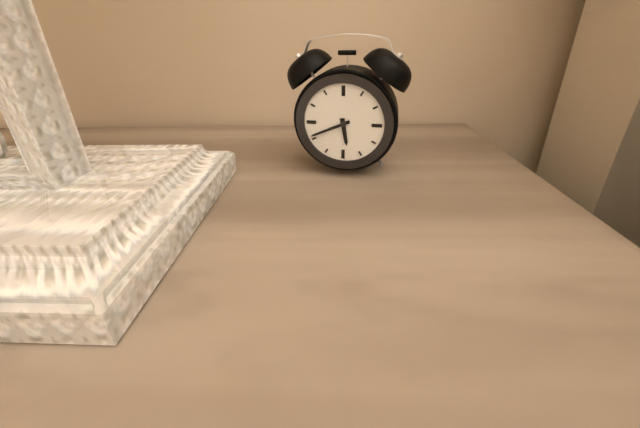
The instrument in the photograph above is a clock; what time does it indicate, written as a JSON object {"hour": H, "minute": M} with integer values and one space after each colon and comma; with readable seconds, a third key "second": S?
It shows {"hour": 5, "minute": 41}
